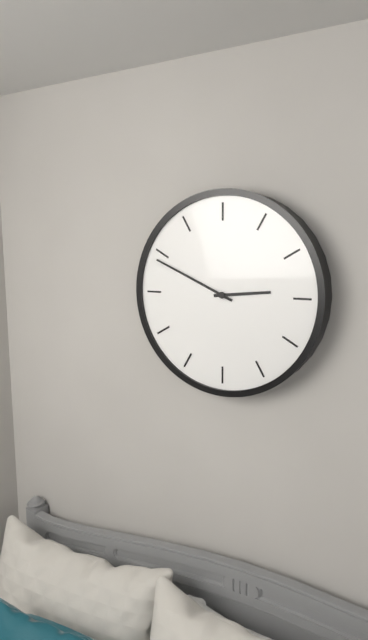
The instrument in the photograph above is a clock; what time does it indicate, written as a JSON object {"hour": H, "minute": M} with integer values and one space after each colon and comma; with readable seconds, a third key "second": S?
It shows {"hour": 2, "minute": 49}
